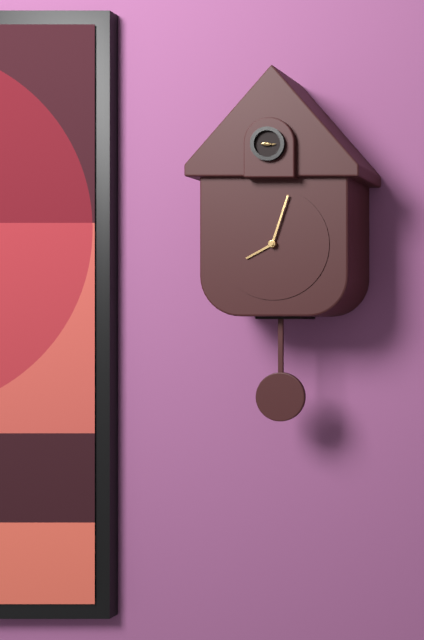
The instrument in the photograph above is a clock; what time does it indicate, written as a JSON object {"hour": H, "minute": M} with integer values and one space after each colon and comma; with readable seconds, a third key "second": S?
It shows {"hour": 8, "minute": 3}
